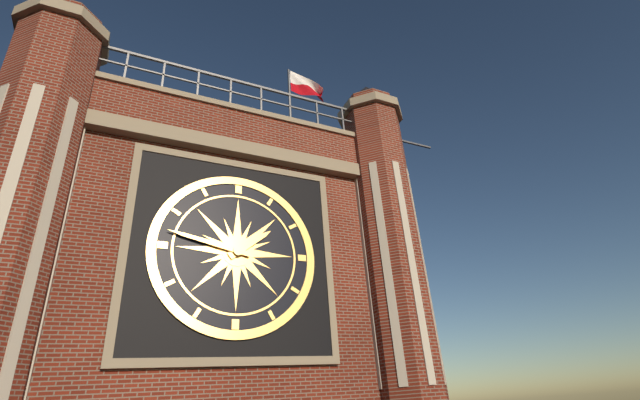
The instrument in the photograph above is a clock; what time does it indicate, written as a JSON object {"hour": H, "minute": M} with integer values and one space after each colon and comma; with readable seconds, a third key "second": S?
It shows {"hour": 1, "minute": 47}
